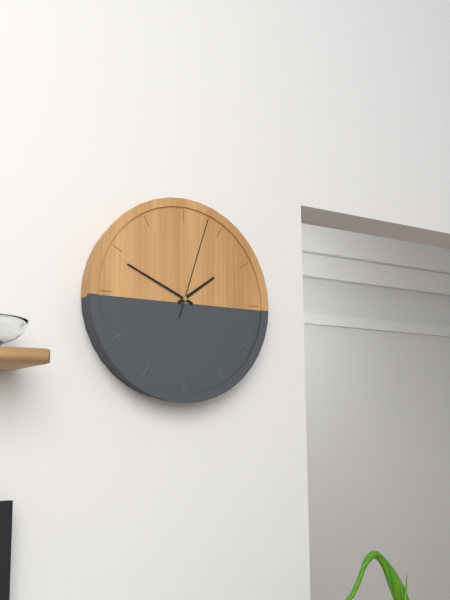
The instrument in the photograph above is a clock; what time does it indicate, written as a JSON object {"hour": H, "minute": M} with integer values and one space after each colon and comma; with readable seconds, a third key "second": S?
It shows {"hour": 1, "minute": 49, "second": 3}
